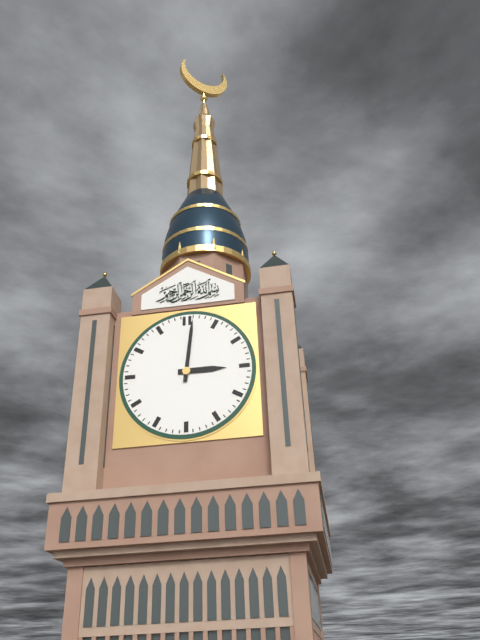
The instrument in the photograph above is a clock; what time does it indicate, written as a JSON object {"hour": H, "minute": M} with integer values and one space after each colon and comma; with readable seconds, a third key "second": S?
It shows {"hour": 3, "minute": 1}
